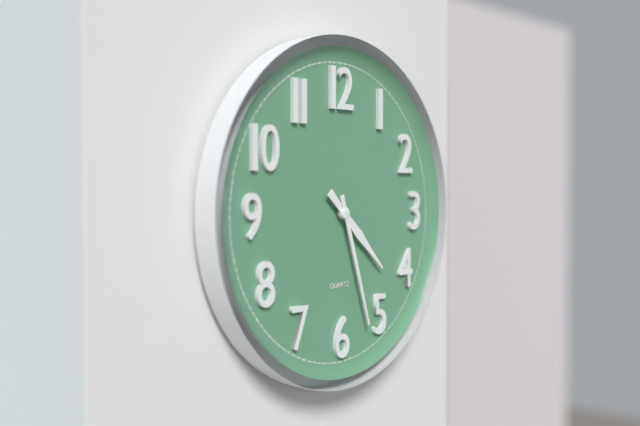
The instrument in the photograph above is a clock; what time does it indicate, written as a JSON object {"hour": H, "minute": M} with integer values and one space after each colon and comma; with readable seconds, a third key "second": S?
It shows {"hour": 4, "minute": 27}
